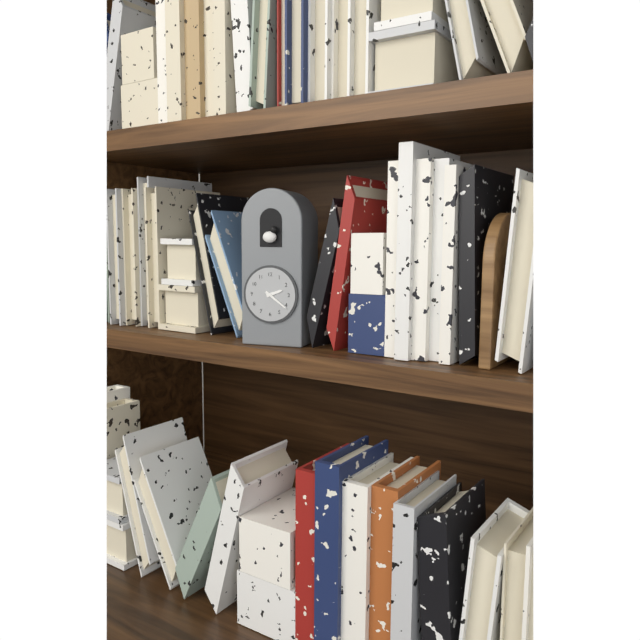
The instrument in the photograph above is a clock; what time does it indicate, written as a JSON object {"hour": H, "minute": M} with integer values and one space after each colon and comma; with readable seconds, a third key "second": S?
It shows {"hour": 2, "minute": 21}
